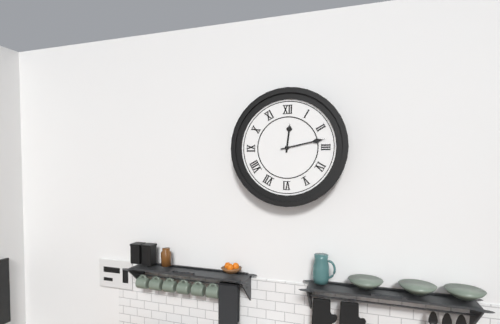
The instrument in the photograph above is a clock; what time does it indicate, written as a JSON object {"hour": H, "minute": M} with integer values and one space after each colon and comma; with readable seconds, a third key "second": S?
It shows {"hour": 12, "minute": 13}
